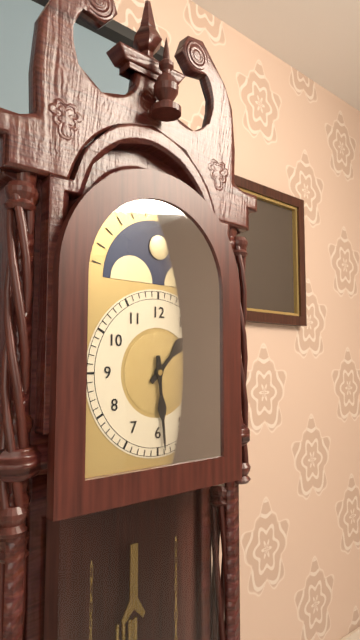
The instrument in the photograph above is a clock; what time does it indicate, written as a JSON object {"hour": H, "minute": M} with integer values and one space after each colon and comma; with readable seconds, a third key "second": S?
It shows {"hour": 1, "minute": 29}
